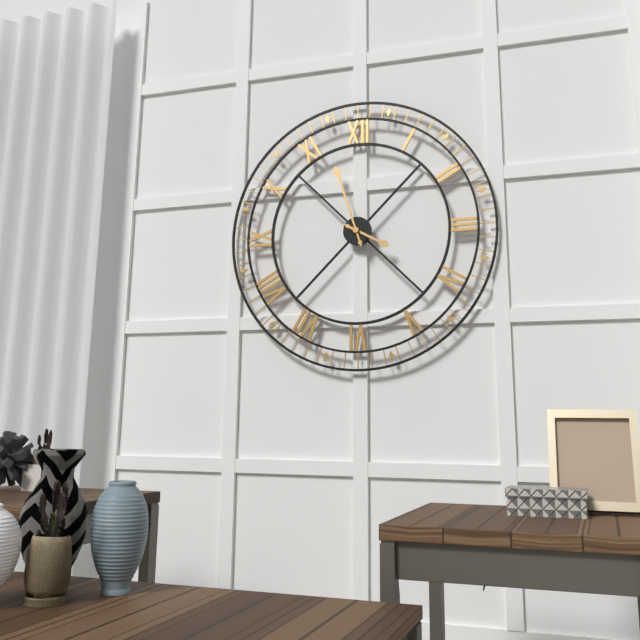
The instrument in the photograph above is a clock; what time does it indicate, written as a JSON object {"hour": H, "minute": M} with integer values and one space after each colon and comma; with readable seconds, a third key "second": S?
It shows {"hour": 3, "minute": 57}
